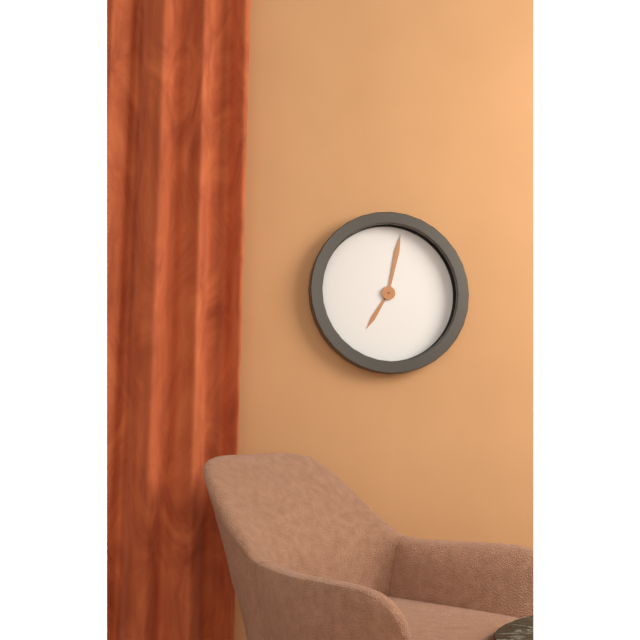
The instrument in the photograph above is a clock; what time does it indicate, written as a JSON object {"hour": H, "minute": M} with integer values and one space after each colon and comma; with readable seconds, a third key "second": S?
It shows {"hour": 7, "minute": 2}
